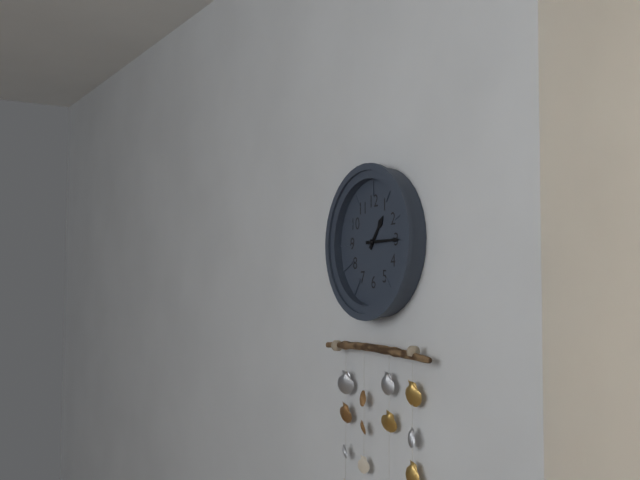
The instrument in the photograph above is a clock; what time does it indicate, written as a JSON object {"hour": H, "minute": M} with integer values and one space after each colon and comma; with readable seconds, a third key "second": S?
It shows {"hour": 1, "minute": 15}
